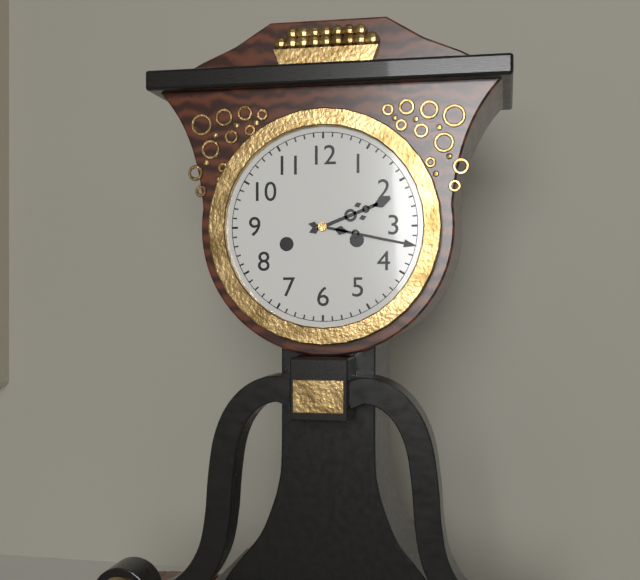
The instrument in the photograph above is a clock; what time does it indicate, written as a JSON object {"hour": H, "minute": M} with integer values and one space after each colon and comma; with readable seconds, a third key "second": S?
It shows {"hour": 2, "minute": 17}
